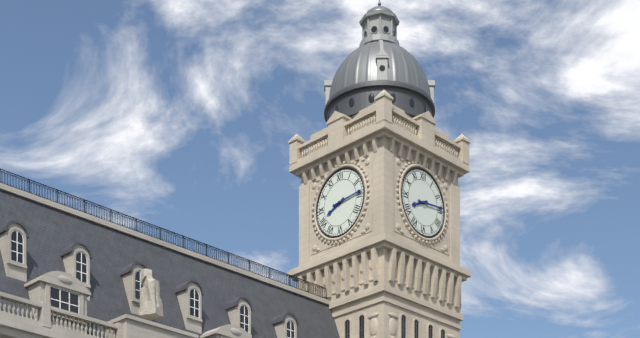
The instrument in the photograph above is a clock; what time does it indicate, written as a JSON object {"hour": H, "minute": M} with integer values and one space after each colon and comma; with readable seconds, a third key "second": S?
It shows {"hour": 8, "minute": 14}
